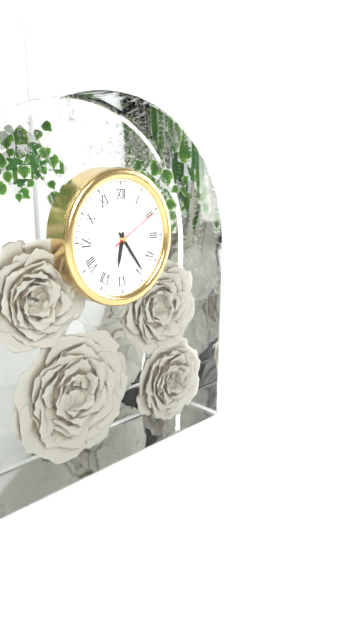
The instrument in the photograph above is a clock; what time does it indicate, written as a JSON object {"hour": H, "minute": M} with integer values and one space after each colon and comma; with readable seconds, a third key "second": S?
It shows {"hour": 6, "minute": 24, "second": 10}
